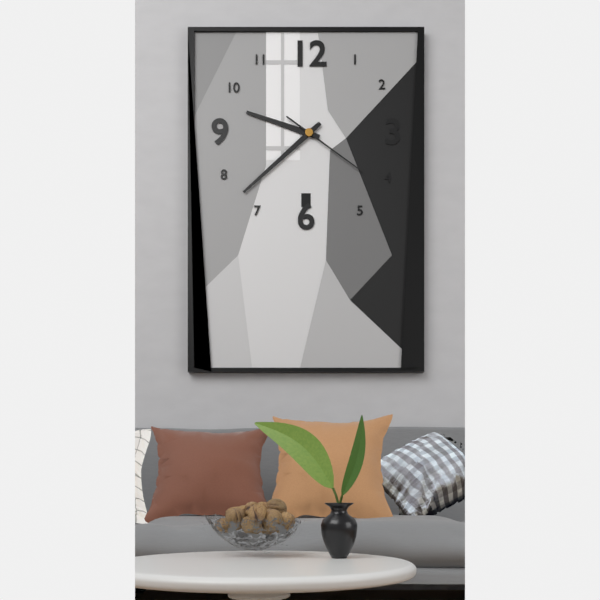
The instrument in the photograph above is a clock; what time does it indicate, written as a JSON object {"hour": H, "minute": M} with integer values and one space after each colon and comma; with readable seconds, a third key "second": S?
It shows {"hour": 9, "minute": 38, "second": 21}
